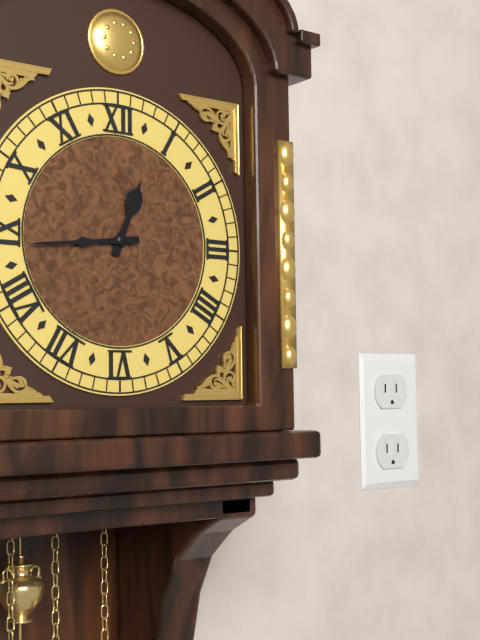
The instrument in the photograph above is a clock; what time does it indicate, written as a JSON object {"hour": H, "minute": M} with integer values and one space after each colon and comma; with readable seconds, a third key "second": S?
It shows {"hour": 12, "minute": 44}
